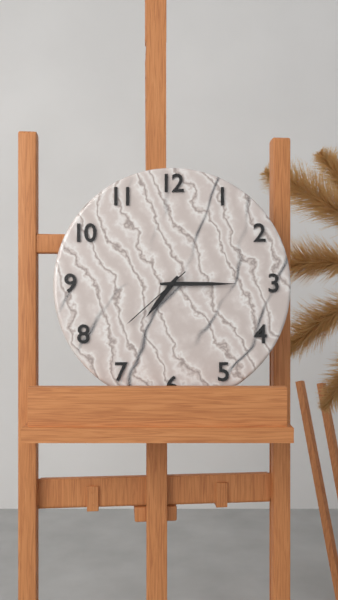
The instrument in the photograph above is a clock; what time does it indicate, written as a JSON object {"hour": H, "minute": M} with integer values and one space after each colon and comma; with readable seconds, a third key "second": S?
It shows {"hour": 7, "minute": 15, "second": 38}
